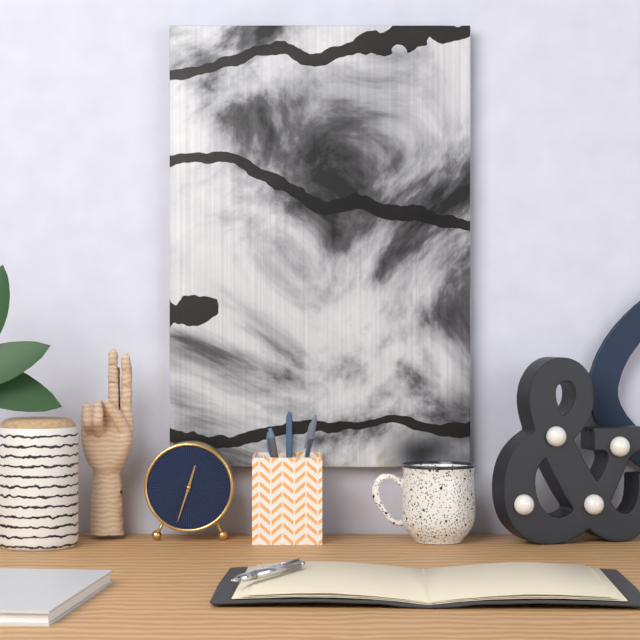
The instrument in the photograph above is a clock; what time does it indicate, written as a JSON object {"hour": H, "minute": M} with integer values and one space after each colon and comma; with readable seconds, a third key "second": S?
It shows {"hour": 12, "minute": 33}
